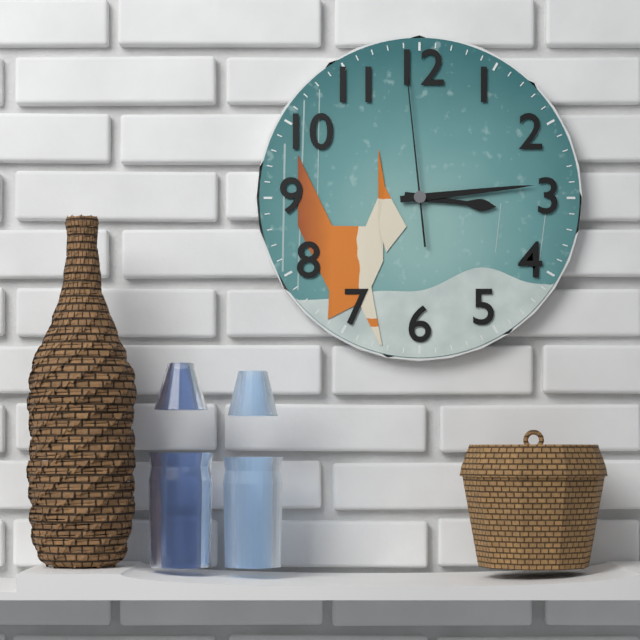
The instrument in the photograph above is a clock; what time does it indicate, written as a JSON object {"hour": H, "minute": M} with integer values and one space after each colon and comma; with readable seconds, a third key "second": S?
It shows {"hour": 3, "minute": 14, "second": 59}
